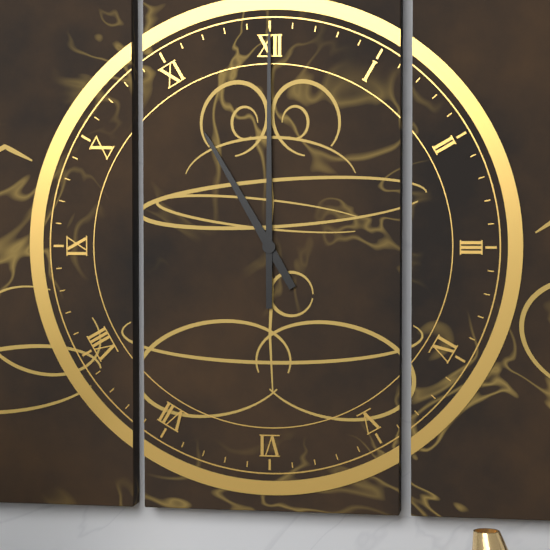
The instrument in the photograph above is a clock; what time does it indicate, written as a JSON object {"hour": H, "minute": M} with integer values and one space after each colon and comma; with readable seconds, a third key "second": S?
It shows {"hour": 11, "minute": 0}
